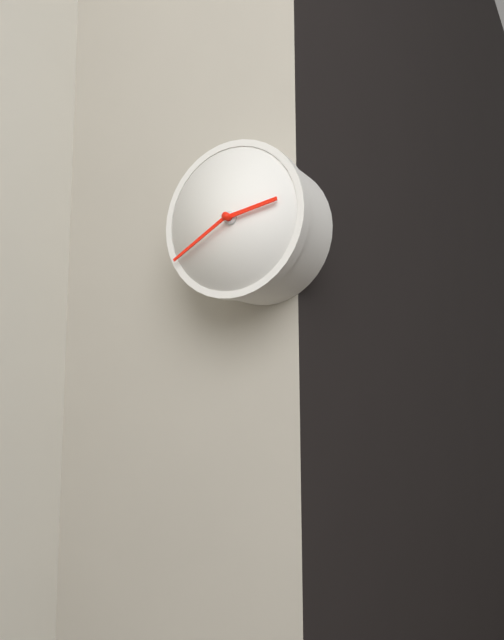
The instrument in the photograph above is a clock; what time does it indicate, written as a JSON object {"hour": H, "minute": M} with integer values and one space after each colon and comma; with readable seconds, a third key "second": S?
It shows {"hour": 2, "minute": 40}
